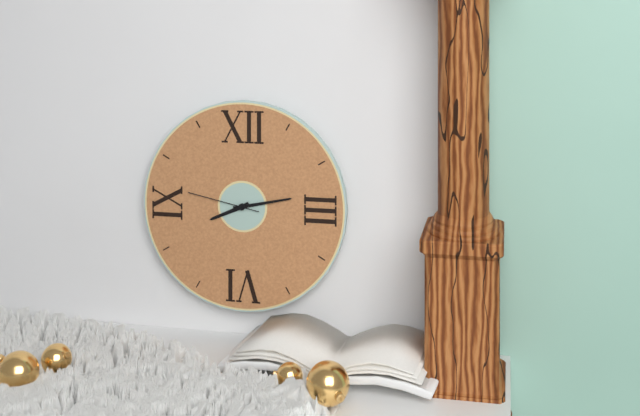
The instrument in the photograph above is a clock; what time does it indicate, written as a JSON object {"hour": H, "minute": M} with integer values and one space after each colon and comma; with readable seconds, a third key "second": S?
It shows {"hour": 8, "minute": 13, "second": 47}
